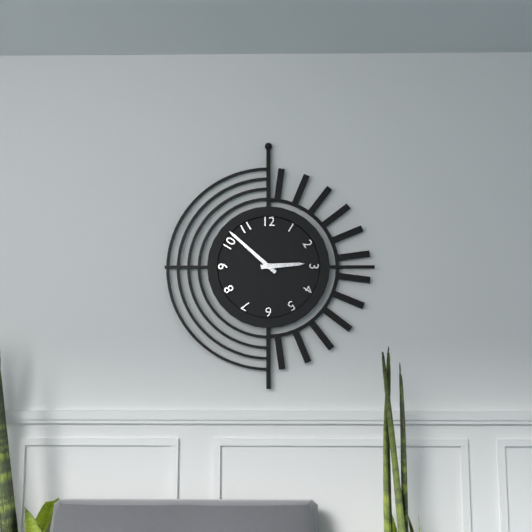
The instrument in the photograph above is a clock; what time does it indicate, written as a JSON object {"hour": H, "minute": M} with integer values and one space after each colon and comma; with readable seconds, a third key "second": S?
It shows {"hour": 2, "minute": 52}
